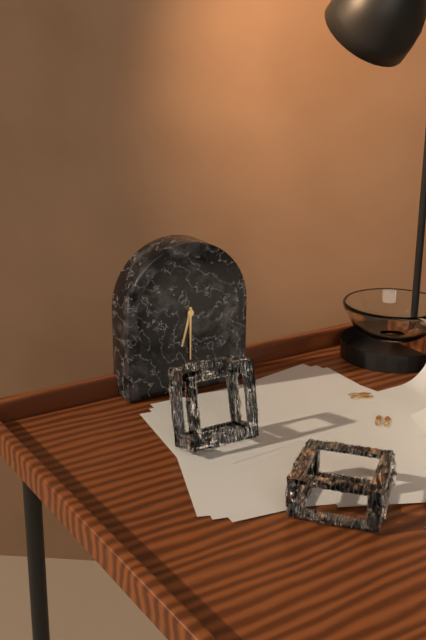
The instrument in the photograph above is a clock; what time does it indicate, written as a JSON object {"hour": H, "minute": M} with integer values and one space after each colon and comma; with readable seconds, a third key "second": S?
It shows {"hour": 6, "minute": 30}
